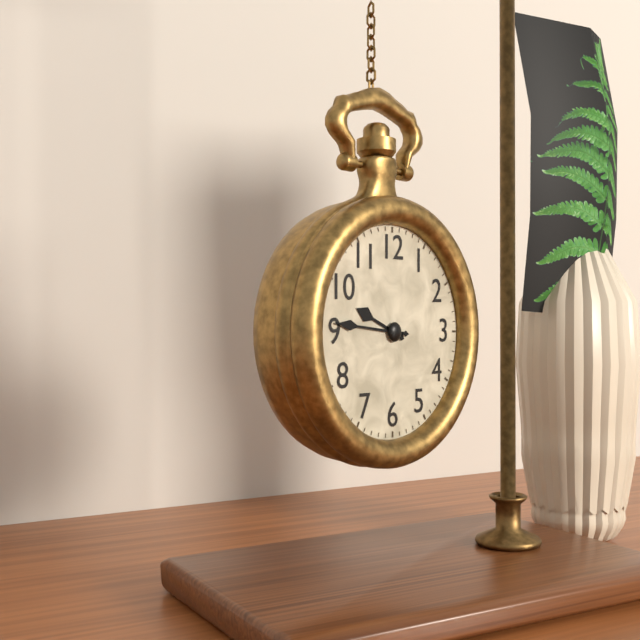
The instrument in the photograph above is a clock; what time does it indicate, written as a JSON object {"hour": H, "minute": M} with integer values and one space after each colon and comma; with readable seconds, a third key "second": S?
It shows {"hour": 9, "minute": 46}
